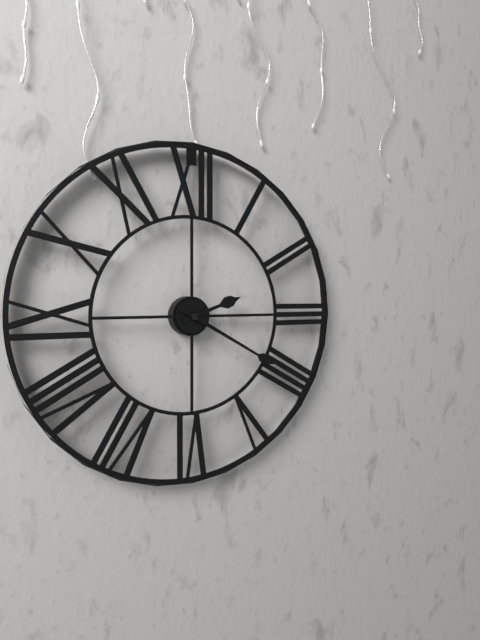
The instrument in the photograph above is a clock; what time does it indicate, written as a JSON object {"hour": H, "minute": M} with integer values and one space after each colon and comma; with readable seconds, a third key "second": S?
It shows {"hour": 2, "minute": 20}
